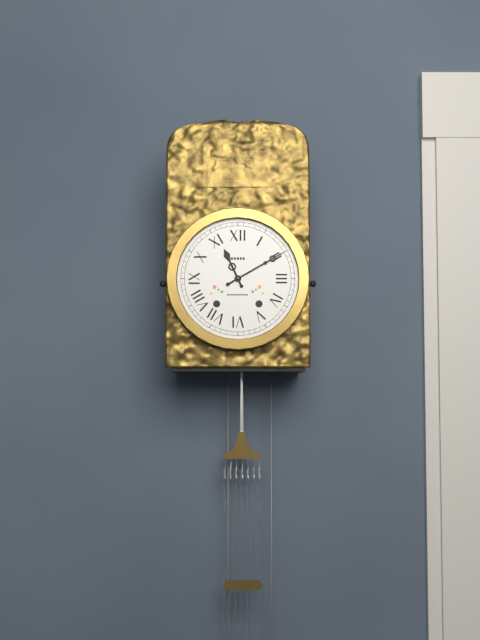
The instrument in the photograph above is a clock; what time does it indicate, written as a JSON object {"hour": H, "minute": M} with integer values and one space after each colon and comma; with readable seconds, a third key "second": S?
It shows {"hour": 11, "minute": 10}
